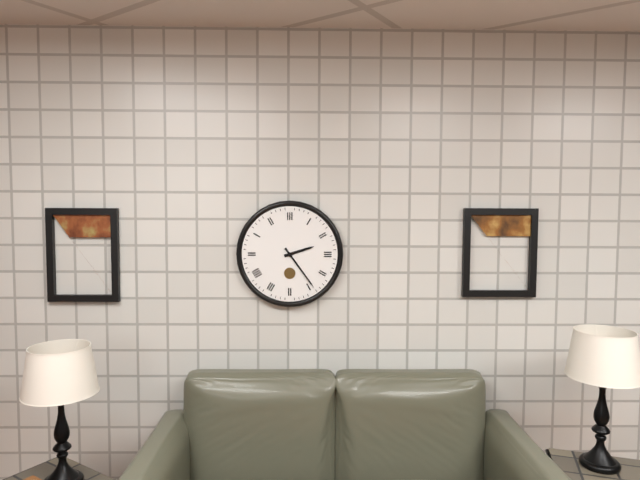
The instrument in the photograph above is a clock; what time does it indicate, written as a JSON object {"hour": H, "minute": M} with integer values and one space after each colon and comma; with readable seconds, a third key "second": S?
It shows {"hour": 2, "minute": 24}
